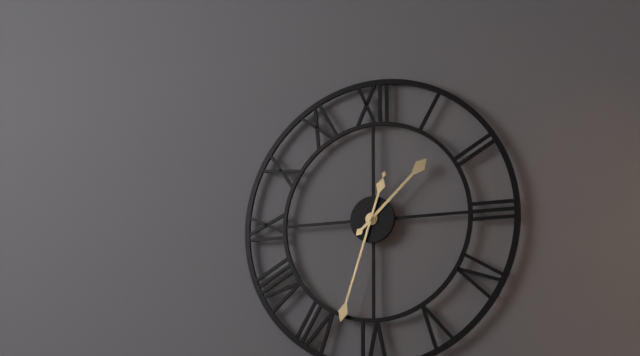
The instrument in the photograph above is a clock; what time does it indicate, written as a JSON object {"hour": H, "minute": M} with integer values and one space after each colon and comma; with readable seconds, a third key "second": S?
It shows {"hour": 1, "minute": 33}
